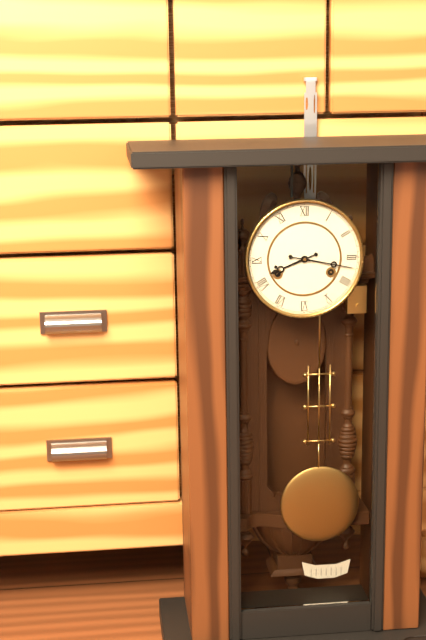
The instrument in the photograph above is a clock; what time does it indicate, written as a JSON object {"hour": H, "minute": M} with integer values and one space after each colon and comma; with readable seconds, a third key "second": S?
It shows {"hour": 8, "minute": 17}
